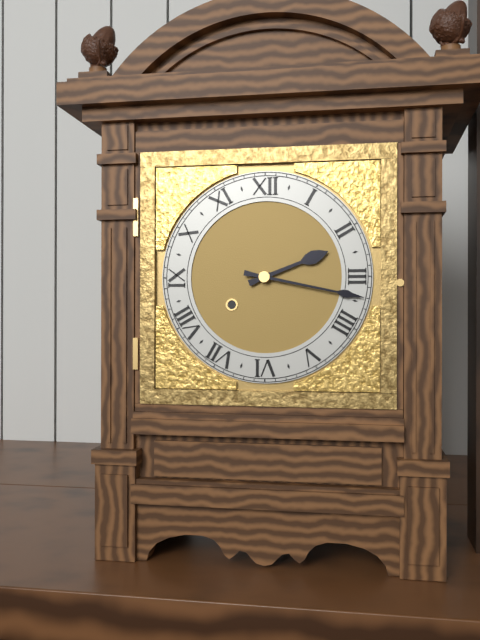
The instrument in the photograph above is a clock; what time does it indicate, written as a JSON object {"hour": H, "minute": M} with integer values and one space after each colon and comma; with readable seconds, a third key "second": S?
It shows {"hour": 2, "minute": 17}
